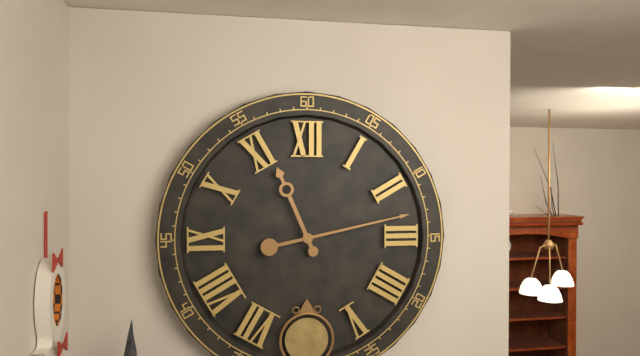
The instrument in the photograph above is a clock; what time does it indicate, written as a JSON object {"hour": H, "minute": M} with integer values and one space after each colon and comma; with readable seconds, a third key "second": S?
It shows {"hour": 11, "minute": 13}
